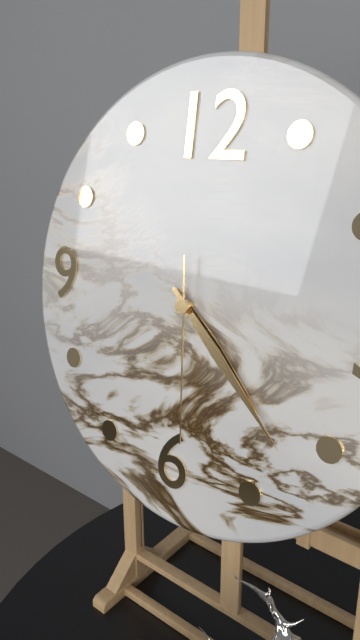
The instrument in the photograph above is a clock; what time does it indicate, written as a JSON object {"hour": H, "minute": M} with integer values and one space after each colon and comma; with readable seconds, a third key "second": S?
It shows {"hour": 4, "minute": 22, "second": 29}
